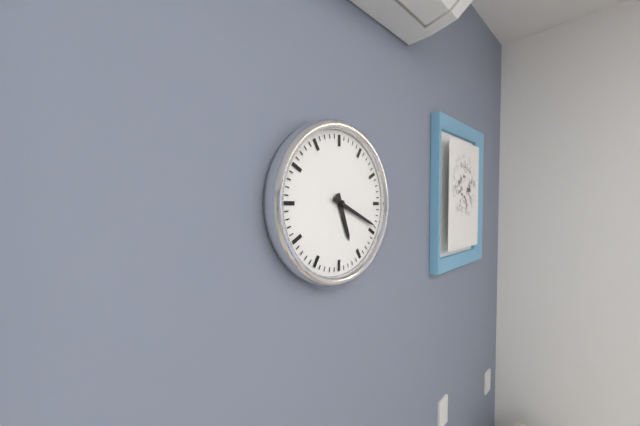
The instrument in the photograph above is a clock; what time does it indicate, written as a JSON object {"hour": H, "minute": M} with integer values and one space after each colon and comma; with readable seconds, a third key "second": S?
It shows {"hour": 5, "minute": 19}
